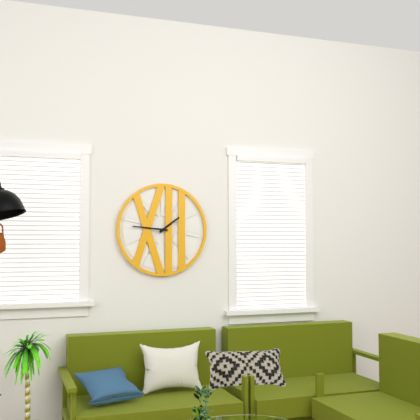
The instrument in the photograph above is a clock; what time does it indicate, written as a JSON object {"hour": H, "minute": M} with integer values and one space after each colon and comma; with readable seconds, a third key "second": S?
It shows {"hour": 1, "minute": 46}
